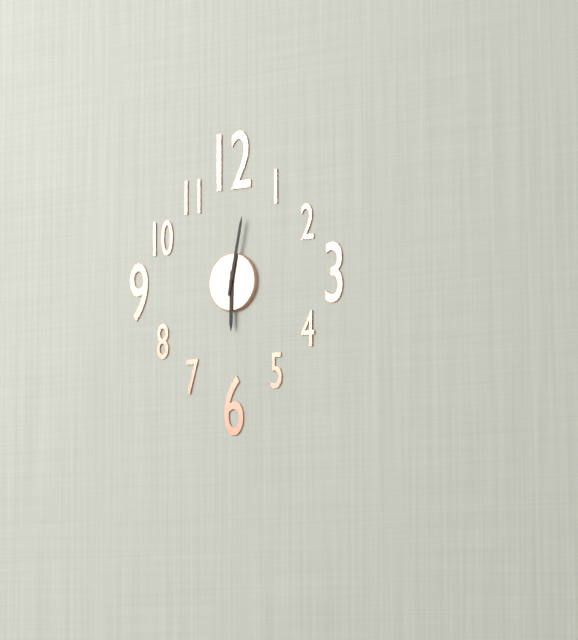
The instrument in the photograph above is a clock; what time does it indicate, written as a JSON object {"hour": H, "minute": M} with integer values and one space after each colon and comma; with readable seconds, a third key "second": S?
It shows {"hour": 6, "minute": 2}
